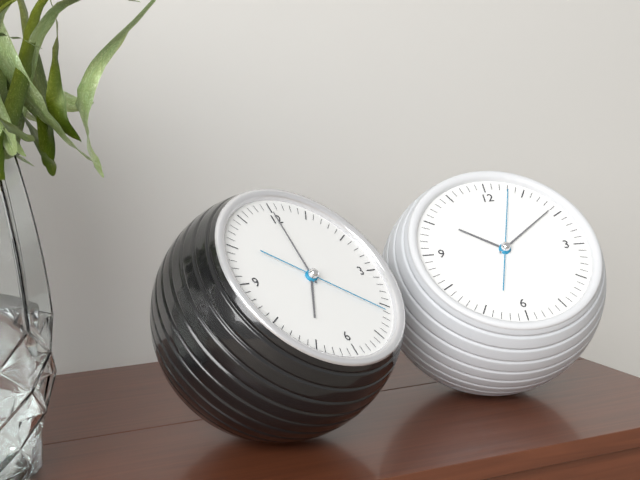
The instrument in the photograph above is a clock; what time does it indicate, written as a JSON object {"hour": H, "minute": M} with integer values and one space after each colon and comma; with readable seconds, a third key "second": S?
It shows {"hour": 7, "minute": 0, "second": 21}
